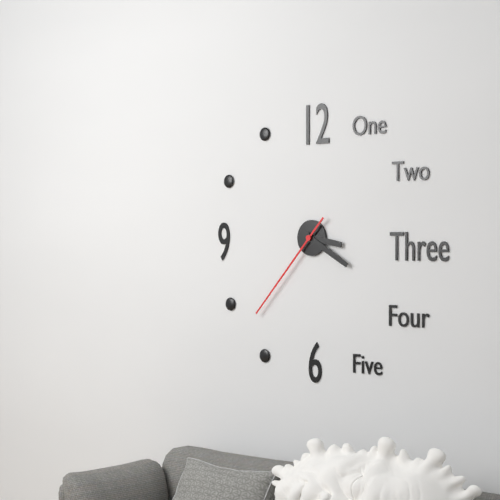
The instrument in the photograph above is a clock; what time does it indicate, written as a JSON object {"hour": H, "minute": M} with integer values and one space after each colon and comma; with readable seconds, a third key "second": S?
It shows {"hour": 3, "minute": 20, "second": 37}
